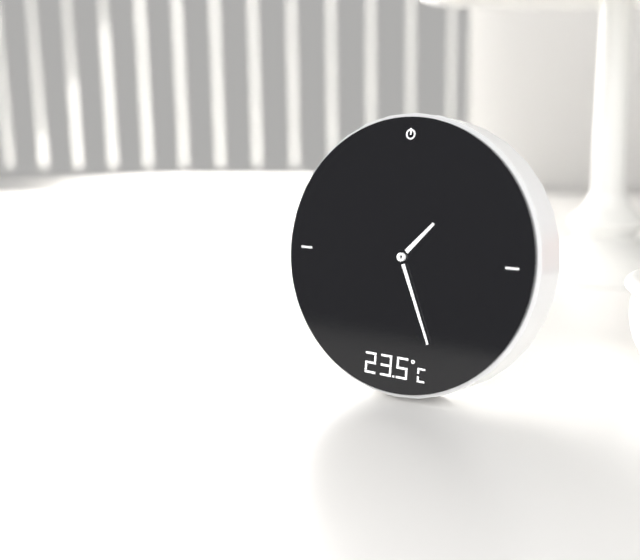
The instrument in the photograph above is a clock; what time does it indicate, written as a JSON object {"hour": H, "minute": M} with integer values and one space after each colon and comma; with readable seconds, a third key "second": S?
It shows {"hour": 1, "minute": 26}
